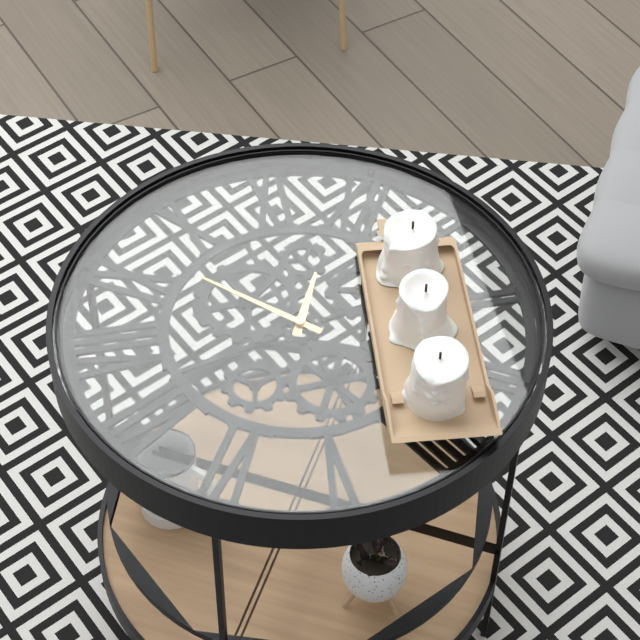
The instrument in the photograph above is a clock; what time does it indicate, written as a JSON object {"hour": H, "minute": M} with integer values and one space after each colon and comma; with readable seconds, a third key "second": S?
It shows {"hour": 11, "minute": 47}
